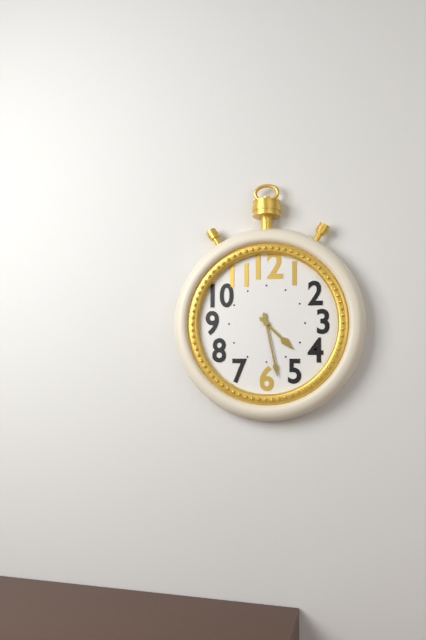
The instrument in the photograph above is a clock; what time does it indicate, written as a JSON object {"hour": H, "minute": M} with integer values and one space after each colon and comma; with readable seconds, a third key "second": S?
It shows {"hour": 4, "minute": 28}
